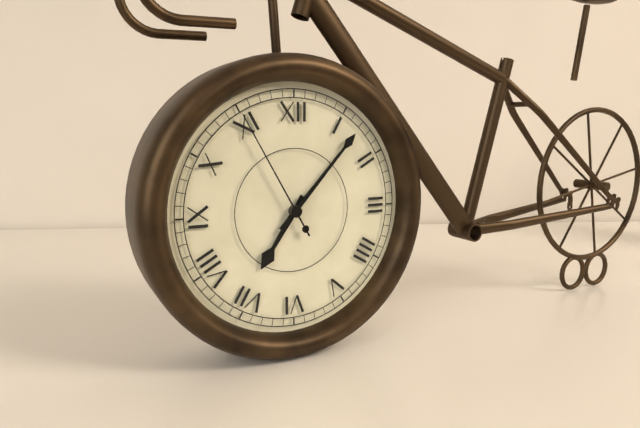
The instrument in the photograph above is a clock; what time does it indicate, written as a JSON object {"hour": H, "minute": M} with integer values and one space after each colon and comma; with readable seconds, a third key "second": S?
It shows {"hour": 7, "minute": 7, "second": 55}
